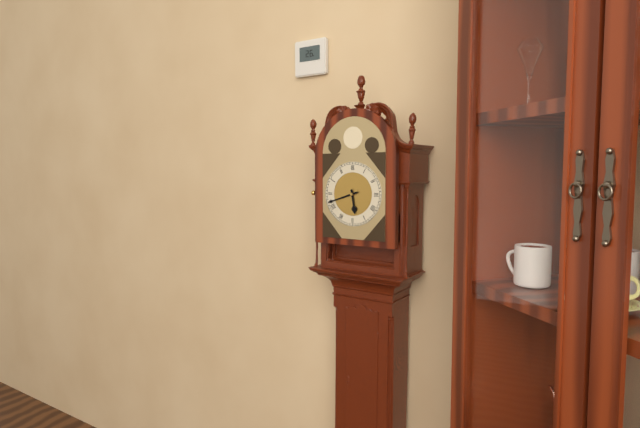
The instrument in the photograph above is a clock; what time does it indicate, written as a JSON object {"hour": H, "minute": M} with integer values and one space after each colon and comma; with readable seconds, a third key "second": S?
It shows {"hour": 5, "minute": 42}
